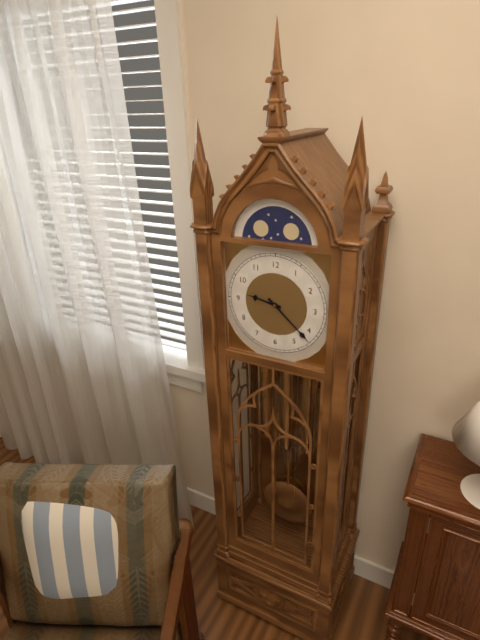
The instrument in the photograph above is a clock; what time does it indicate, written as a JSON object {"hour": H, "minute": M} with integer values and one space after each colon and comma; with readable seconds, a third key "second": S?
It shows {"hour": 9, "minute": 22}
